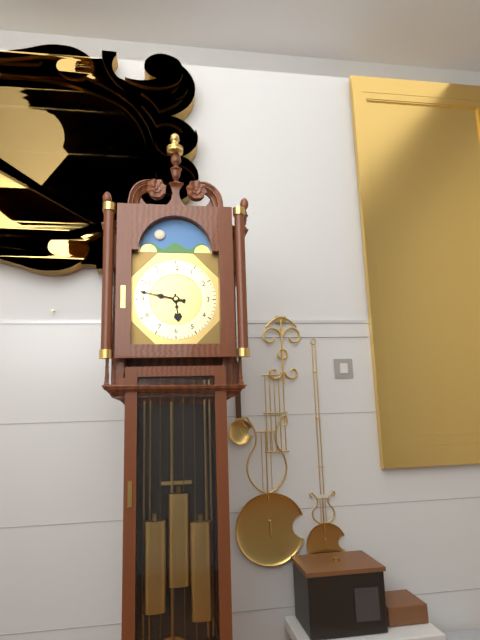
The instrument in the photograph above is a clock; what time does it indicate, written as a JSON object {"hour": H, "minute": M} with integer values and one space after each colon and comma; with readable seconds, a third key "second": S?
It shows {"hour": 5, "minute": 47}
